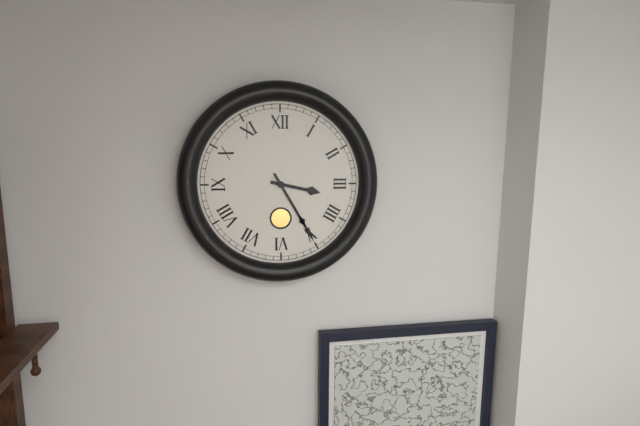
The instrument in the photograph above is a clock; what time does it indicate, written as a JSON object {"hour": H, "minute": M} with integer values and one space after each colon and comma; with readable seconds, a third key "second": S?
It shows {"hour": 3, "minute": 25}
